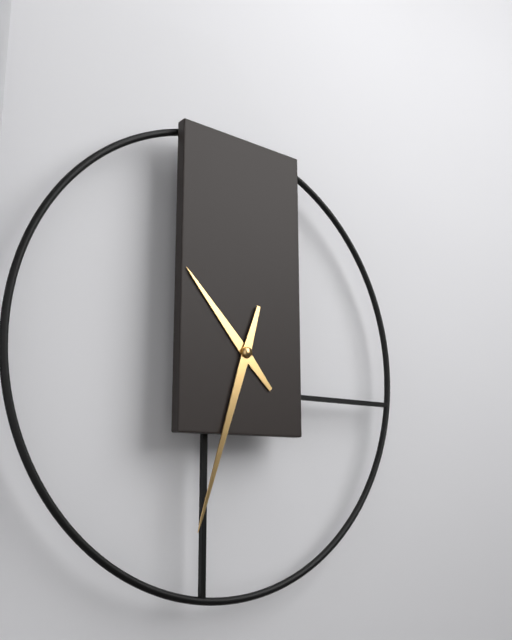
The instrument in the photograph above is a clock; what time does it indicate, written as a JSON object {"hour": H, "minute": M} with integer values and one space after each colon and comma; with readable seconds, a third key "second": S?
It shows {"hour": 10, "minute": 33}
